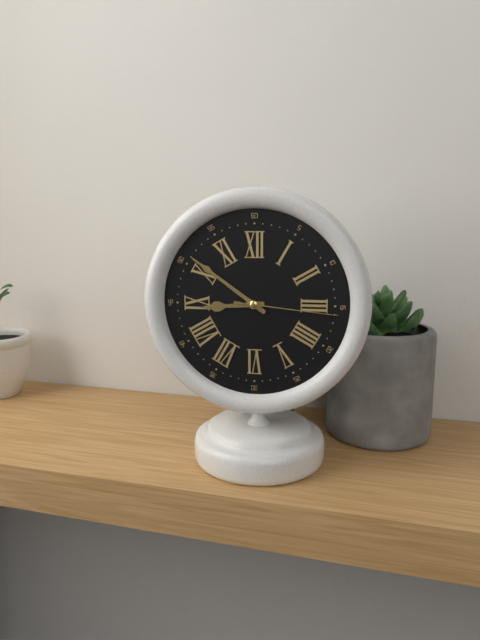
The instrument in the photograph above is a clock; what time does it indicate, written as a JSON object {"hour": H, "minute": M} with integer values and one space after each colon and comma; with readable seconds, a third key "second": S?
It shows {"hour": 8, "minute": 51, "second": 16}
